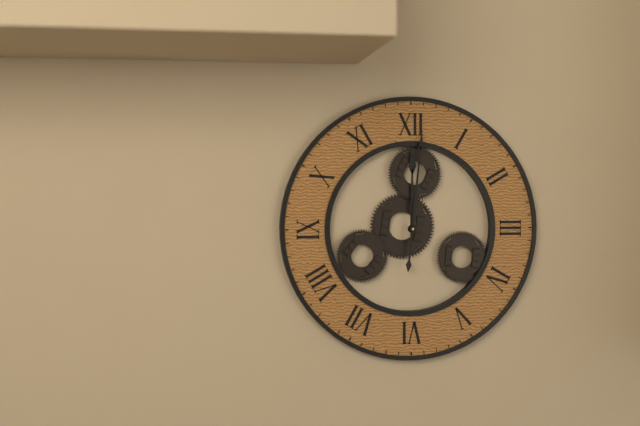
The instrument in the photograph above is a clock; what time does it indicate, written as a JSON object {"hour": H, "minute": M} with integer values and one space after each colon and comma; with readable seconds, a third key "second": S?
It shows {"hour": 12, "minute": 1}
